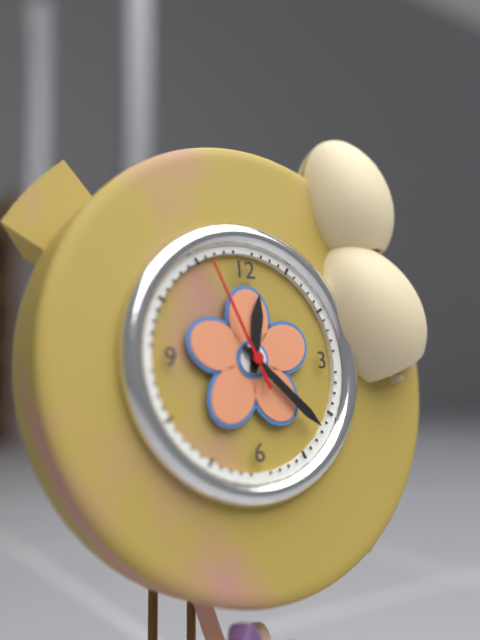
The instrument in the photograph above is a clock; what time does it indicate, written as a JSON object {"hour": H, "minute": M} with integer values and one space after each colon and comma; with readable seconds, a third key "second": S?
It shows {"hour": 12, "minute": 22, "second": 56}
